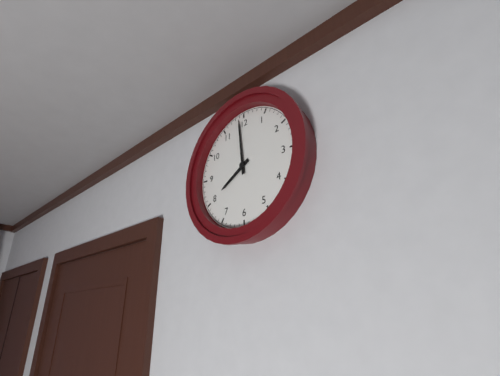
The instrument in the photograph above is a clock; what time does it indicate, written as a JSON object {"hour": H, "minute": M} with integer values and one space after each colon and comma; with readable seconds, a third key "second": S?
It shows {"hour": 7, "minute": 59}
